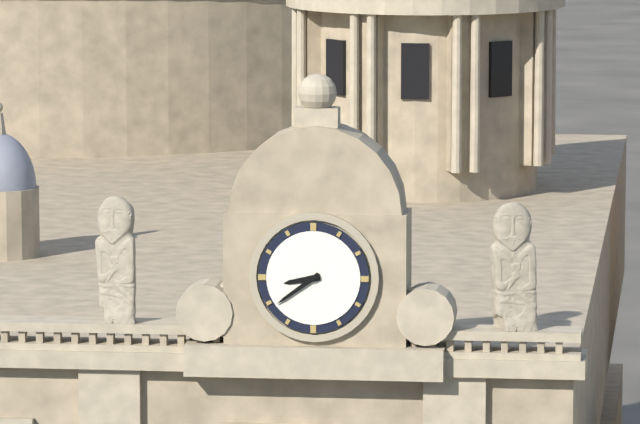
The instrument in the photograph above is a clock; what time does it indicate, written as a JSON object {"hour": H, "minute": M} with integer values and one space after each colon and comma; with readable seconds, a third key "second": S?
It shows {"hour": 8, "minute": 39}
